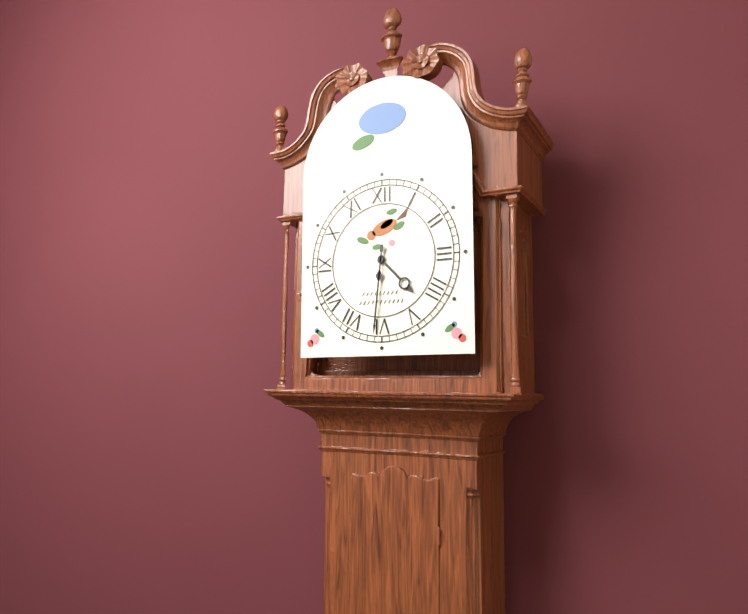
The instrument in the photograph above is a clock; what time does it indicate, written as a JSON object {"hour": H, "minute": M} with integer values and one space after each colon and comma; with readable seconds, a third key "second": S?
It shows {"hour": 4, "minute": 31}
